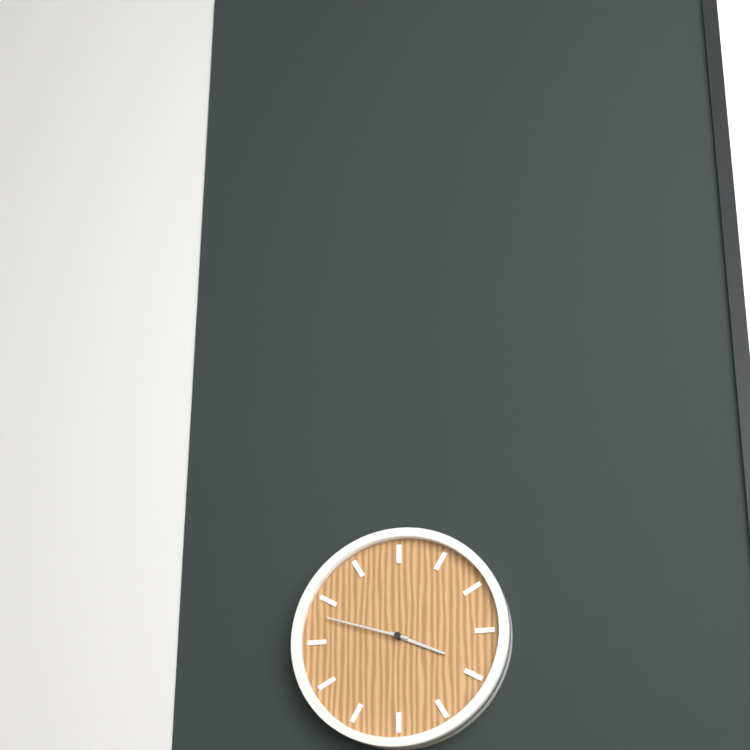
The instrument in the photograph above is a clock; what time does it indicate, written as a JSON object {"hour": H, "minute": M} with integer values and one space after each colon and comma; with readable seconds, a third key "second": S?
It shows {"hour": 3, "minute": 48}
